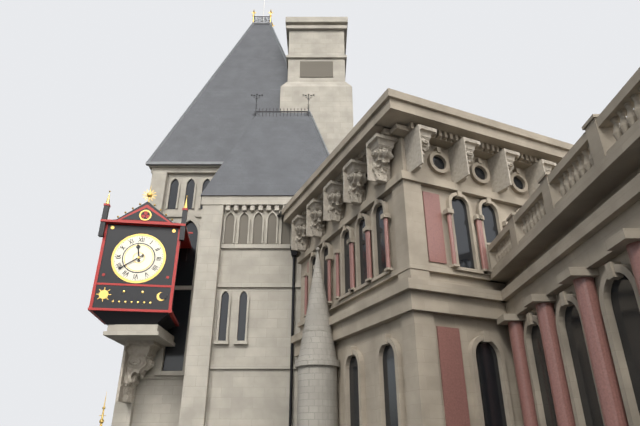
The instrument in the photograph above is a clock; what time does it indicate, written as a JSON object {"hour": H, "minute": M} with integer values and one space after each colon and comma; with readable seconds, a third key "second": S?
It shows {"hour": 11, "minute": 39}
